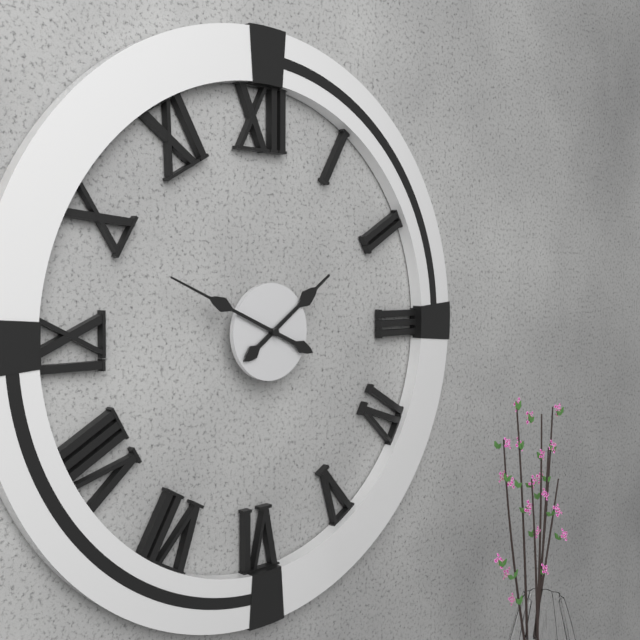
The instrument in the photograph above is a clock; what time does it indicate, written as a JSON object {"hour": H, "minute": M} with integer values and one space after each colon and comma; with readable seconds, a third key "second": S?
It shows {"hour": 1, "minute": 49}
